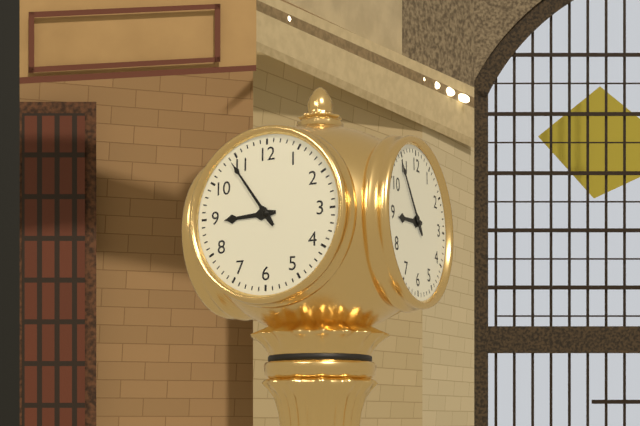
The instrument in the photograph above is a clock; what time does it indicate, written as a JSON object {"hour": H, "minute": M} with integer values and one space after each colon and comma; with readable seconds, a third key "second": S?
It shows {"hour": 8, "minute": 54}
